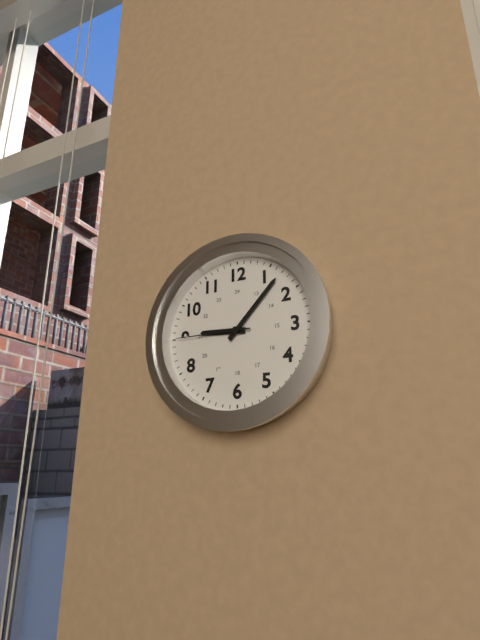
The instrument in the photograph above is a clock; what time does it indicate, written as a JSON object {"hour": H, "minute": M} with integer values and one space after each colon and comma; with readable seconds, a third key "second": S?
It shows {"hour": 9, "minute": 7, "second": 45}
